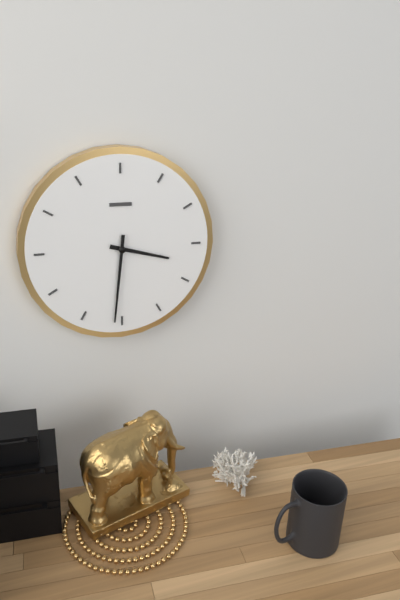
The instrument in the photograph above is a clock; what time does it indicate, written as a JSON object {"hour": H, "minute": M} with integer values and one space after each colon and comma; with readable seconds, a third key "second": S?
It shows {"hour": 3, "minute": 31}
